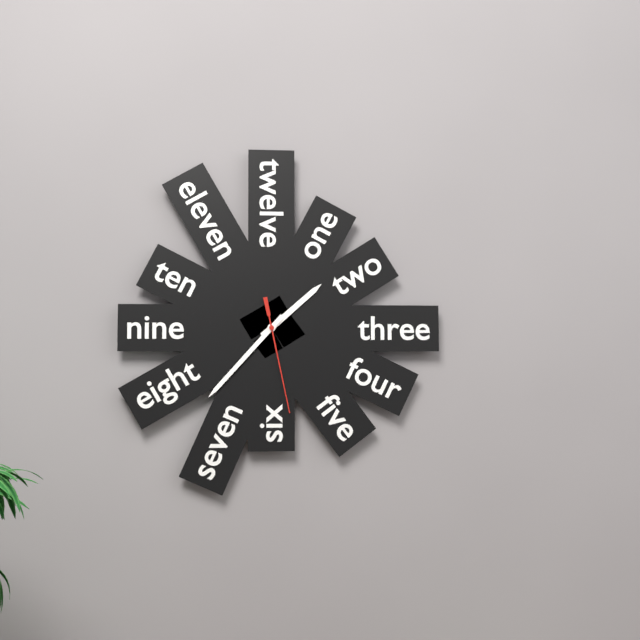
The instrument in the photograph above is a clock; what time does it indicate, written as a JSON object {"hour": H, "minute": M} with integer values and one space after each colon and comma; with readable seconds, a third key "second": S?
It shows {"hour": 1, "minute": 37, "second": 28}
